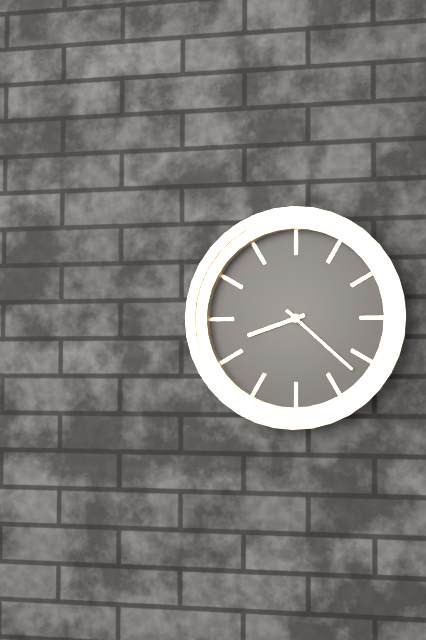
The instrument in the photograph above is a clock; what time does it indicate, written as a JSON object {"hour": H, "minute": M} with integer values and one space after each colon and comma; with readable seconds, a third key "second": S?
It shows {"hour": 8, "minute": 22}
